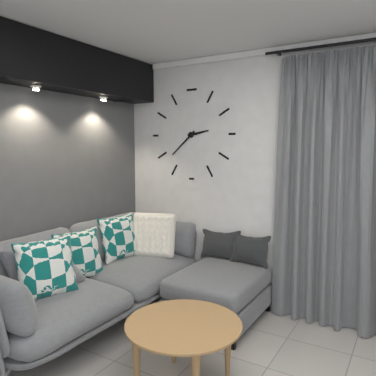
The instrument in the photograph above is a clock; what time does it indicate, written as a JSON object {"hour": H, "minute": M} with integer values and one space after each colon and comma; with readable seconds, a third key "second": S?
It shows {"hour": 2, "minute": 38}
